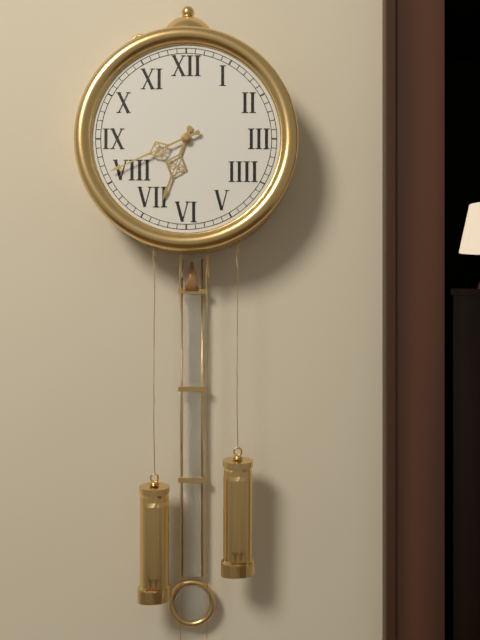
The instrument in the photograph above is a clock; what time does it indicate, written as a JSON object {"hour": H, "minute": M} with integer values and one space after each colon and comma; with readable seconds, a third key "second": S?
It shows {"hour": 6, "minute": 41}
